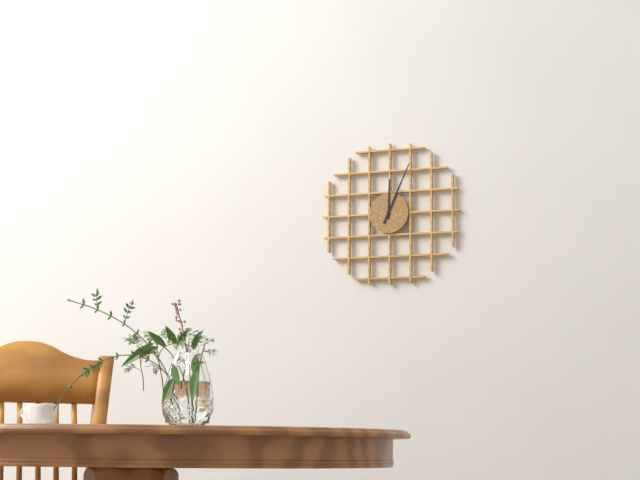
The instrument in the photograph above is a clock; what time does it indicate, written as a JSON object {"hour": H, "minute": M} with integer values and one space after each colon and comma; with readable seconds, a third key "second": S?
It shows {"hour": 12, "minute": 4}
